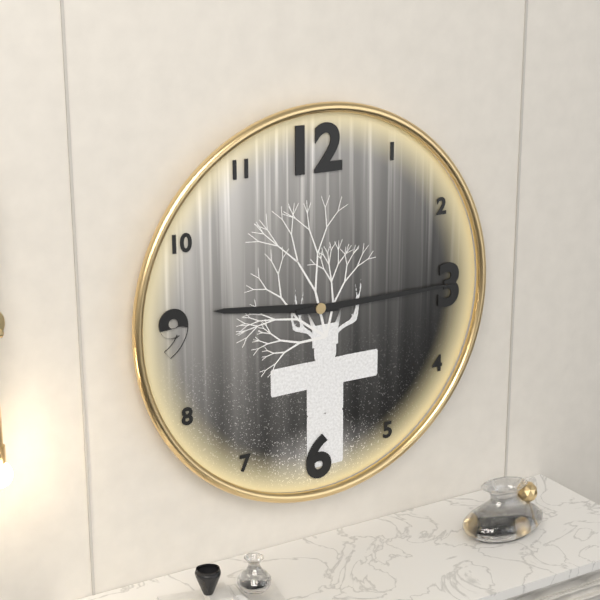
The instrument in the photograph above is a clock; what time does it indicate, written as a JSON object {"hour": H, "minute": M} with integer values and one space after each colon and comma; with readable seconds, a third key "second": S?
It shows {"hour": 9, "minute": 15}
